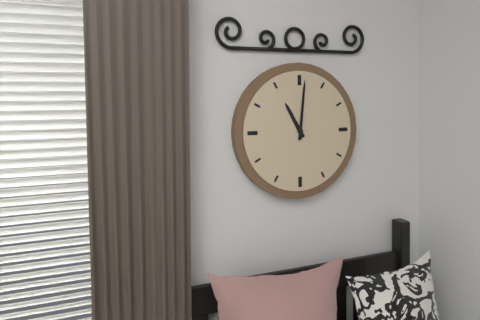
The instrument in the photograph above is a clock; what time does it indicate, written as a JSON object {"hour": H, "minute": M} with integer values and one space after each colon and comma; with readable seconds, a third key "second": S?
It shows {"hour": 11, "minute": 1}
